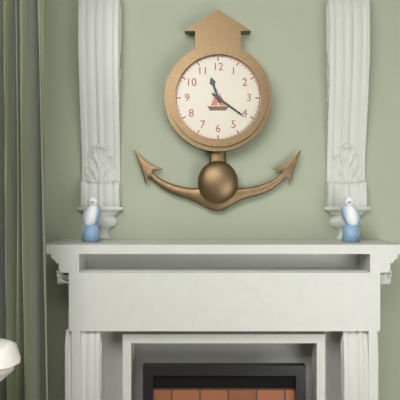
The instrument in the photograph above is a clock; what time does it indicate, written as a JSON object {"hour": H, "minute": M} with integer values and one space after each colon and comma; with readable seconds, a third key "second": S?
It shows {"hour": 11, "minute": 21}
